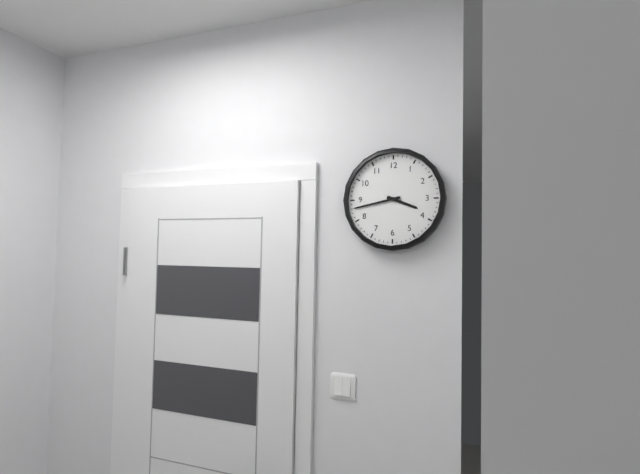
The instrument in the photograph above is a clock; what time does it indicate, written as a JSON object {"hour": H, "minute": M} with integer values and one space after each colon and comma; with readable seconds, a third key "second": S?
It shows {"hour": 3, "minute": 43}
